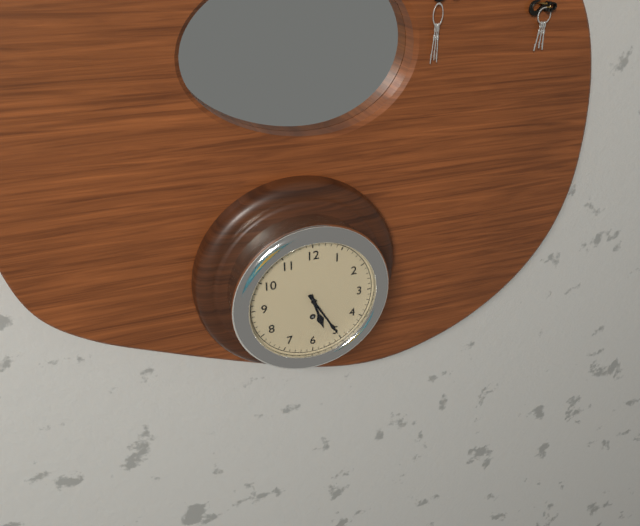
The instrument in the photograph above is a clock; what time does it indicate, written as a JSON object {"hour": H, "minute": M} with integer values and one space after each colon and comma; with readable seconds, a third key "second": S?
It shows {"hour": 5, "minute": 25}
